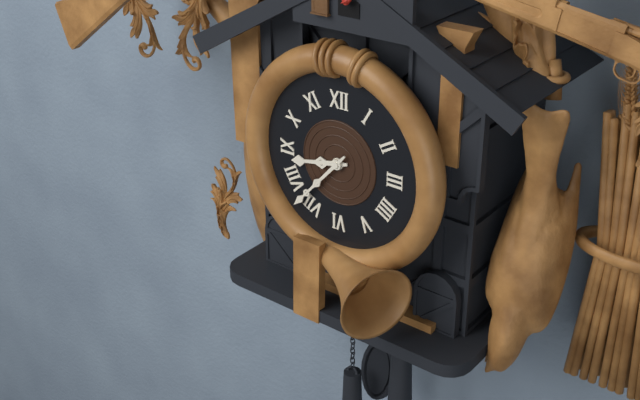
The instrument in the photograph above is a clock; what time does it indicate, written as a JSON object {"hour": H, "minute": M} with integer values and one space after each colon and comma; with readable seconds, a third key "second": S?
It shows {"hour": 8, "minute": 37}
